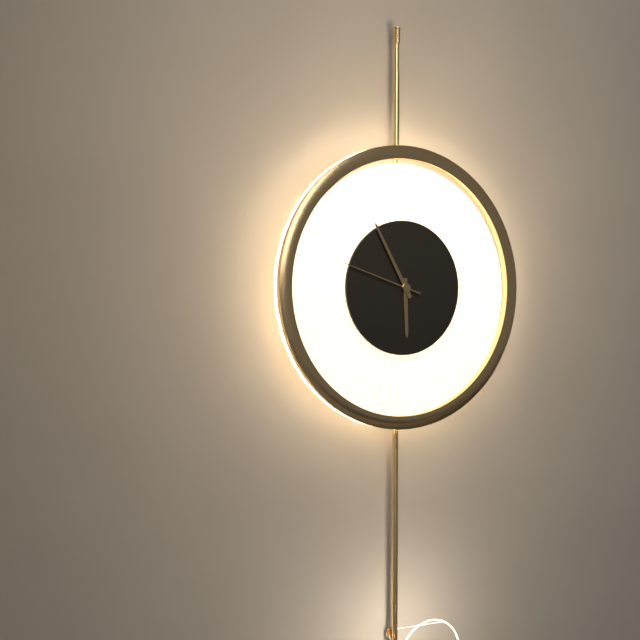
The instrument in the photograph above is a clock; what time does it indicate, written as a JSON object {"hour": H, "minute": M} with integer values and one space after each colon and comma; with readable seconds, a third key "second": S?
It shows {"hour": 5, "minute": 55, "second": 48}
